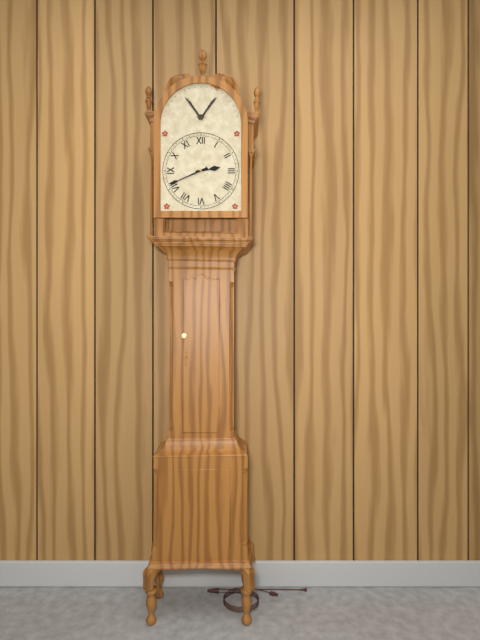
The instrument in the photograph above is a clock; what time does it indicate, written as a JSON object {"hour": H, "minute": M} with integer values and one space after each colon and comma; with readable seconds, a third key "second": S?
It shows {"hour": 2, "minute": 41}
